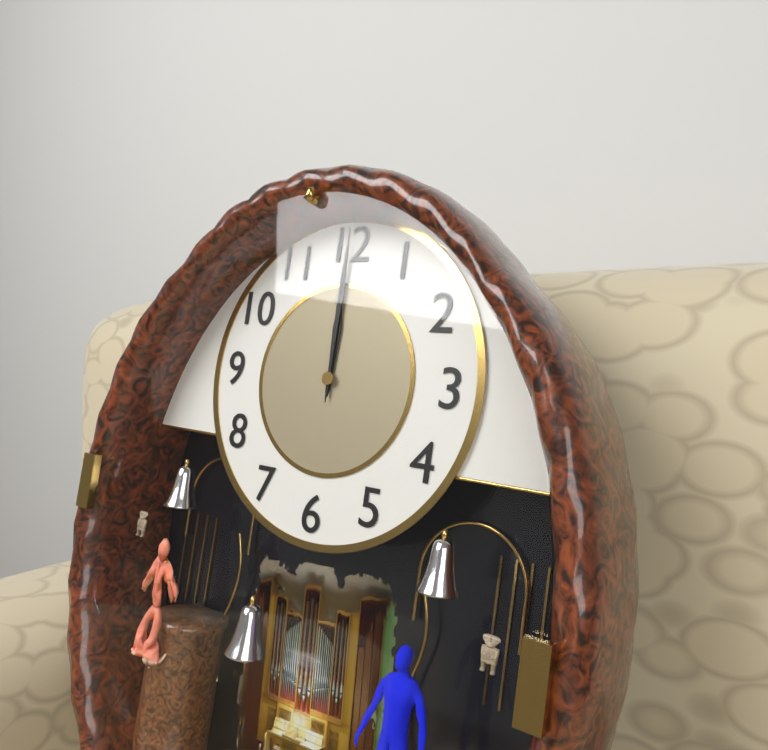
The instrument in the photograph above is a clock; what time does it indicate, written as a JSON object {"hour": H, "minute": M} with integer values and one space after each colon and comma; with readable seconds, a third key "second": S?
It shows {"hour": 12, "minute": 0}
